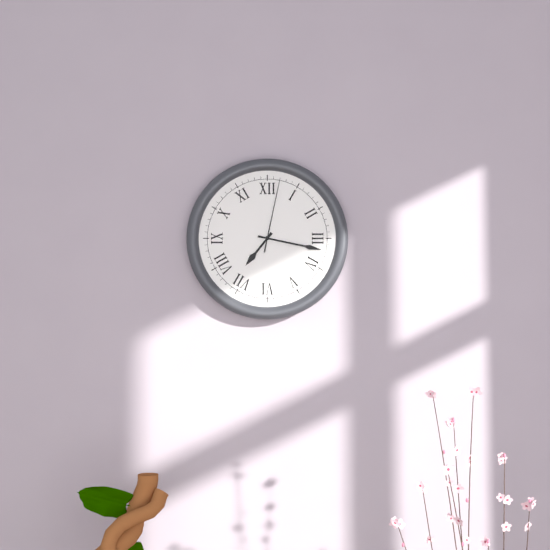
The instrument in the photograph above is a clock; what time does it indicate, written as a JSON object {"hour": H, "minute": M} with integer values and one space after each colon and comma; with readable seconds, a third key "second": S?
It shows {"hour": 7, "minute": 17, "second": 2}
